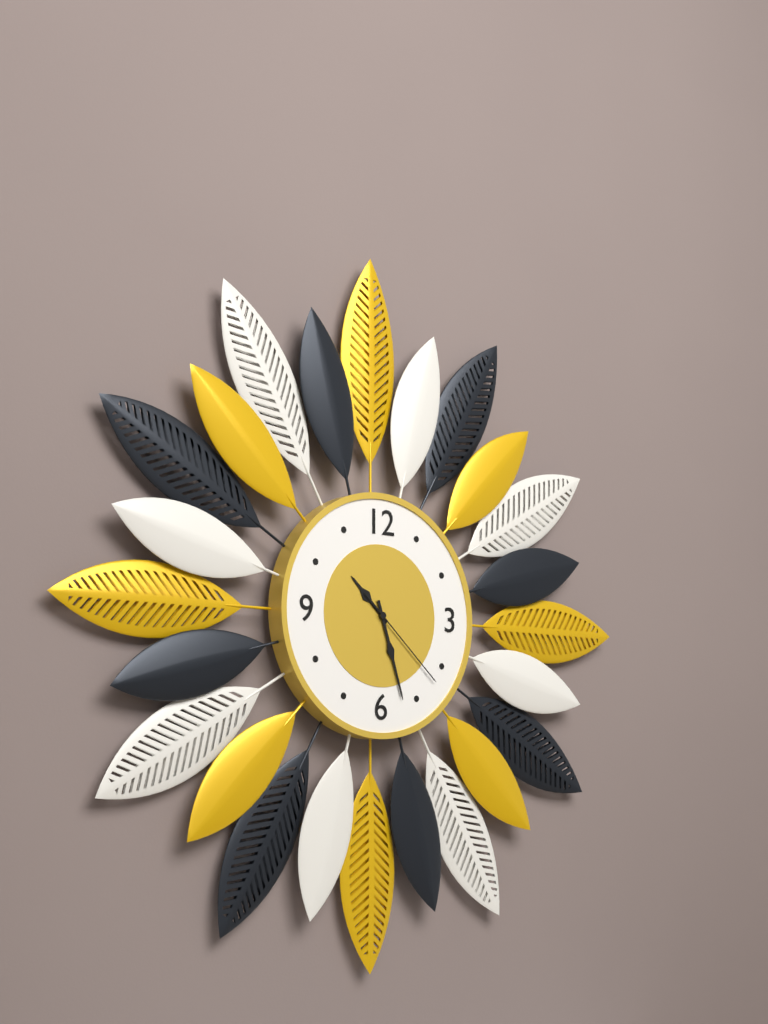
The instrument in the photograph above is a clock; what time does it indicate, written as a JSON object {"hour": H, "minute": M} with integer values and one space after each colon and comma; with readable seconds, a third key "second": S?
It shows {"hour": 10, "minute": 27, "second": 22}
